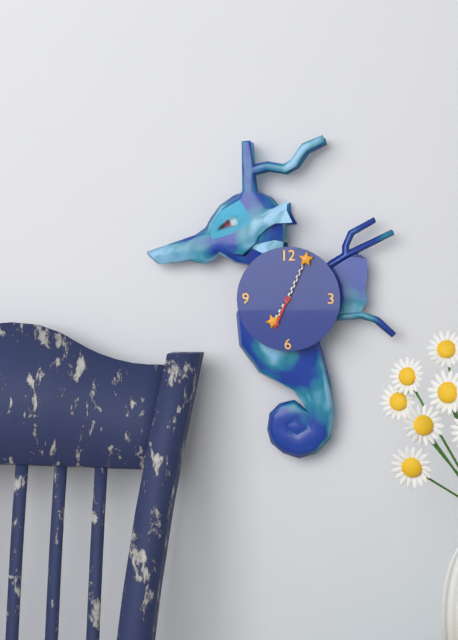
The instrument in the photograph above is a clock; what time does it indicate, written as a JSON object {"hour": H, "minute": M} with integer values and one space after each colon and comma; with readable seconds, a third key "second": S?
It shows {"hour": 7, "minute": 4}
